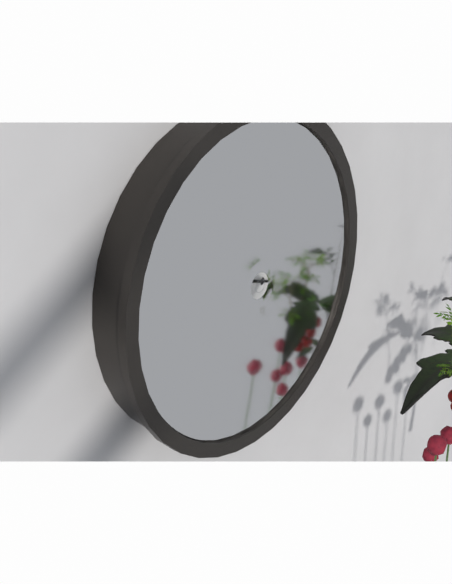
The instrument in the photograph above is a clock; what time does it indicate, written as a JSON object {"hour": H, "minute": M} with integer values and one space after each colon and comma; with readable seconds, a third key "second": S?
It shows {"hour": 3, "minute": 34}
